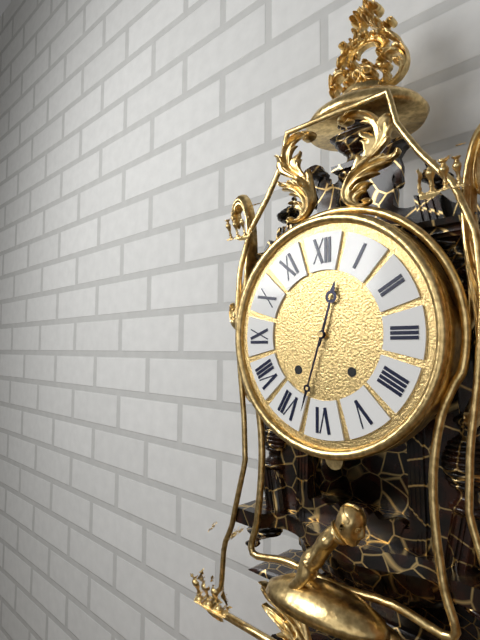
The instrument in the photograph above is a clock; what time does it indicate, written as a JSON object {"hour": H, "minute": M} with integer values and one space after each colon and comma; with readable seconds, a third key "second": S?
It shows {"hour": 12, "minute": 33}
